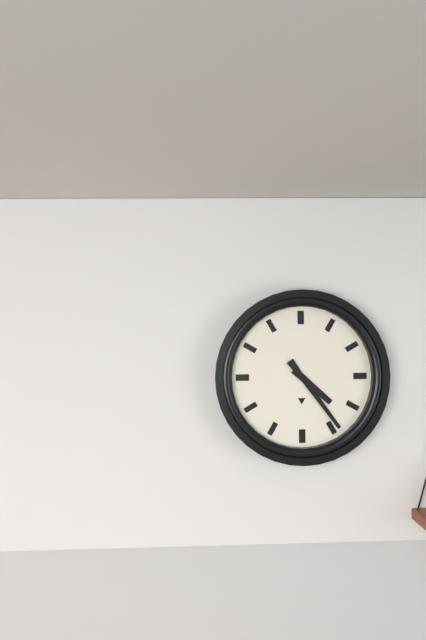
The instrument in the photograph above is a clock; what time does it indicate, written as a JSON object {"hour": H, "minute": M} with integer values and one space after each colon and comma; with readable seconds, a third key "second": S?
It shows {"hour": 4, "minute": 24}
